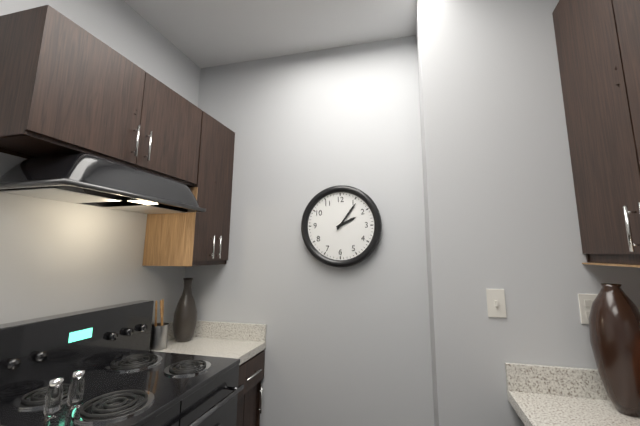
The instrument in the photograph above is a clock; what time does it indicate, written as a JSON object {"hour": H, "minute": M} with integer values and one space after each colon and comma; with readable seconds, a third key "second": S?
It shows {"hour": 2, "minute": 6}
